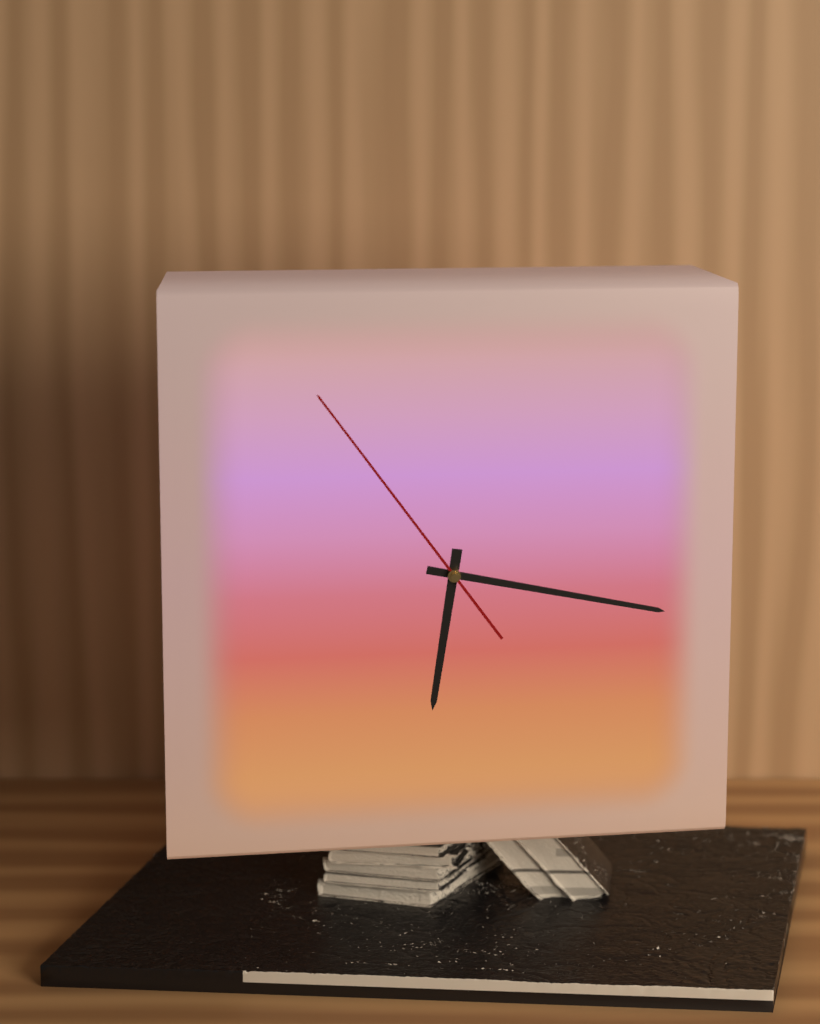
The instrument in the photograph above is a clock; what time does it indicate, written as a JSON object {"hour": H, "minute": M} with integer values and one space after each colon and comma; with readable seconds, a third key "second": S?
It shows {"hour": 6, "minute": 17, "second": 54}
